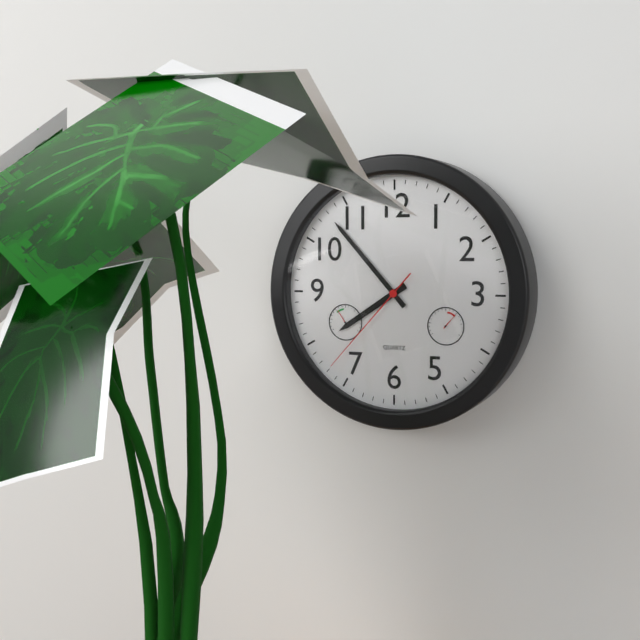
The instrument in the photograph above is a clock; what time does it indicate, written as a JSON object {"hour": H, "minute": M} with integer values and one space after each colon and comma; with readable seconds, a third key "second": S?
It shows {"hour": 7, "minute": 53, "second": 37}
